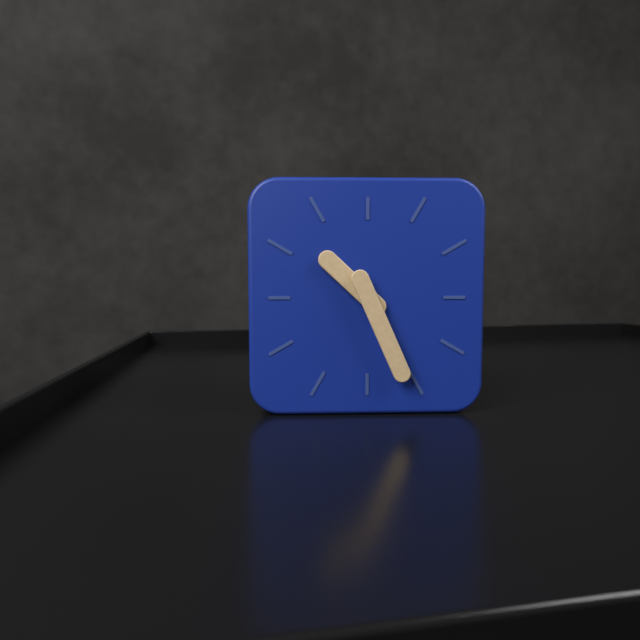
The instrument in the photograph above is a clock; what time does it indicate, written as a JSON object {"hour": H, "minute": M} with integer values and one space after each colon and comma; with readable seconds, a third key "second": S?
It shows {"hour": 10, "minute": 26}
